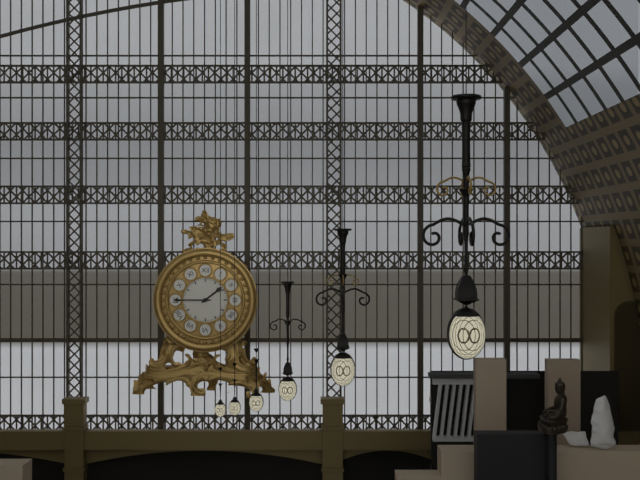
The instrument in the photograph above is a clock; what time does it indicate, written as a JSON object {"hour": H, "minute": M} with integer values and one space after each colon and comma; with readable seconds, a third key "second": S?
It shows {"hour": 1, "minute": 45}
